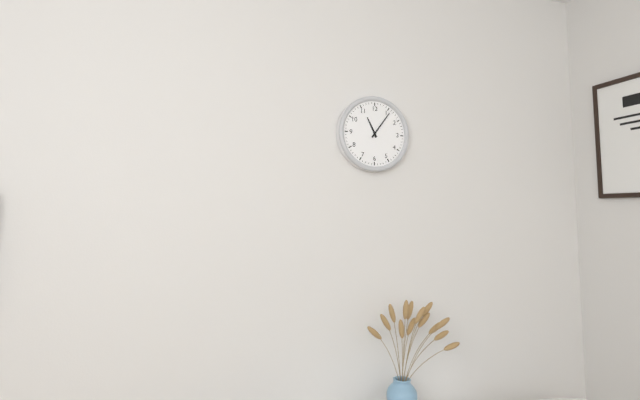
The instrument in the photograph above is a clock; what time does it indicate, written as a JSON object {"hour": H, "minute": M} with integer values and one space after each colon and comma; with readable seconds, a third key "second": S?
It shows {"hour": 11, "minute": 6}
